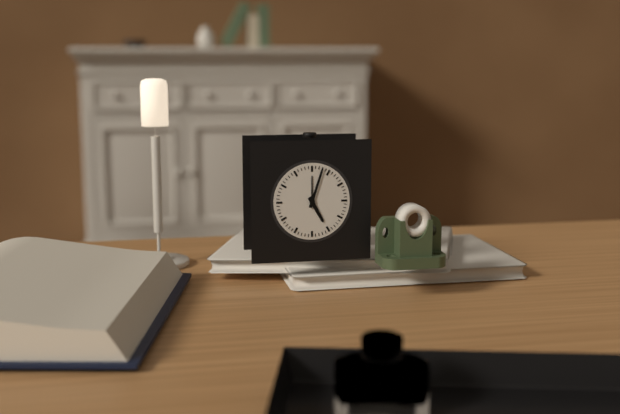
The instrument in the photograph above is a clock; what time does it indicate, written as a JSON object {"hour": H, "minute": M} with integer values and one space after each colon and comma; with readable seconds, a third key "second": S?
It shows {"hour": 5, "minute": 3}
